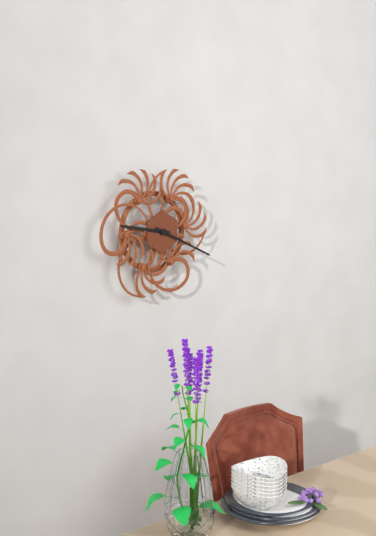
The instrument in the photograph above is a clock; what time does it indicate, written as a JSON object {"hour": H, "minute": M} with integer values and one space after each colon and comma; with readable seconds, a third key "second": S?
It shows {"hour": 9, "minute": 19}
